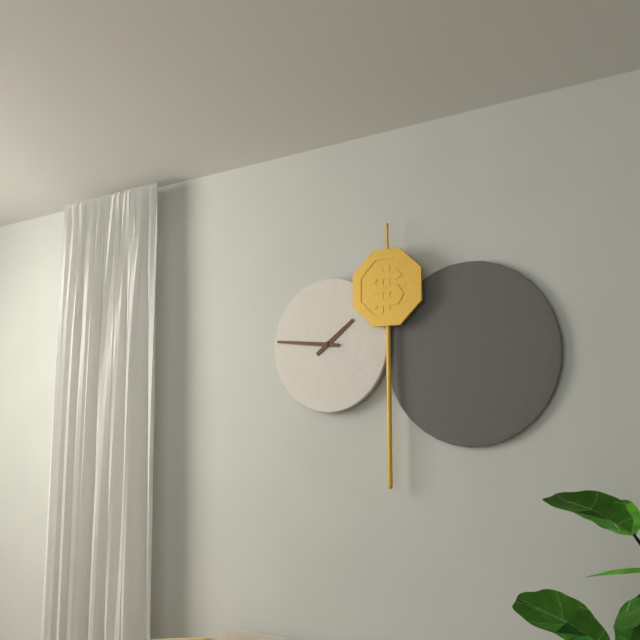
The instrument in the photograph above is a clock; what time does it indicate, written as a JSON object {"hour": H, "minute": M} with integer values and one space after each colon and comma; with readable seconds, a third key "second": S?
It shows {"hour": 1, "minute": 46}
